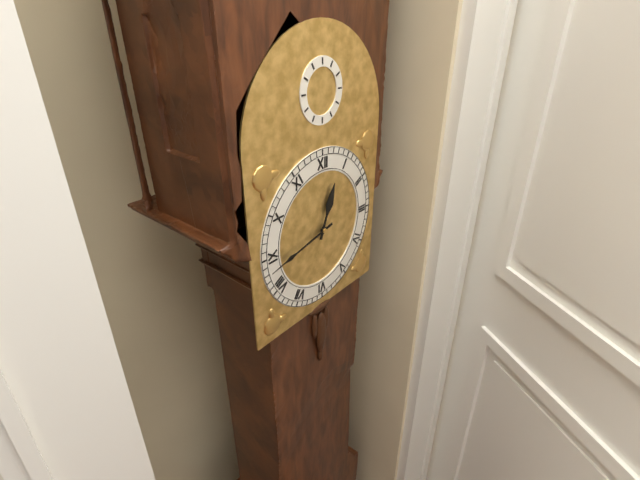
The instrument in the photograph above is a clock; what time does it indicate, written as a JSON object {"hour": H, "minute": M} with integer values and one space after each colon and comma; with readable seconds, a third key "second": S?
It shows {"hour": 12, "minute": 43}
